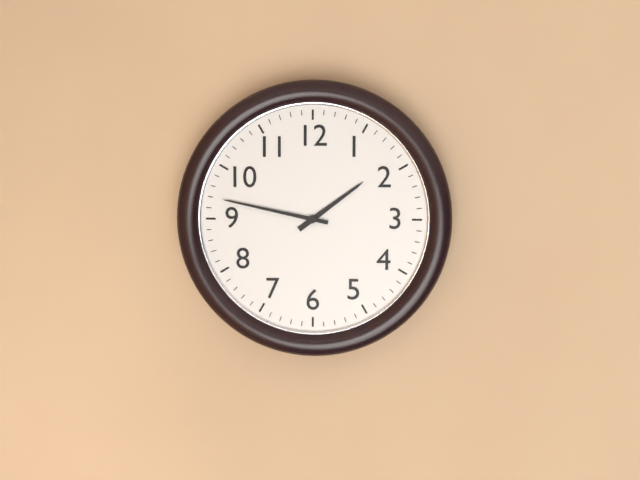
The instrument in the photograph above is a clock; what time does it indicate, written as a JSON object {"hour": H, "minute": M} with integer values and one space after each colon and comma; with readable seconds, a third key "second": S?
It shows {"hour": 1, "minute": 47}
